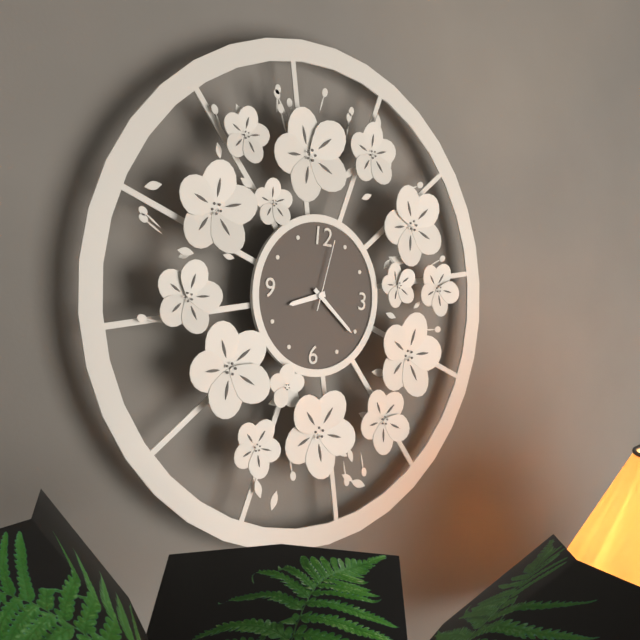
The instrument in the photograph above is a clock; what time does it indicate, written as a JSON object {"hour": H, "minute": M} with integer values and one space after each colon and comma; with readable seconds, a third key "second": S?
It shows {"hour": 8, "minute": 21, "second": 2}
